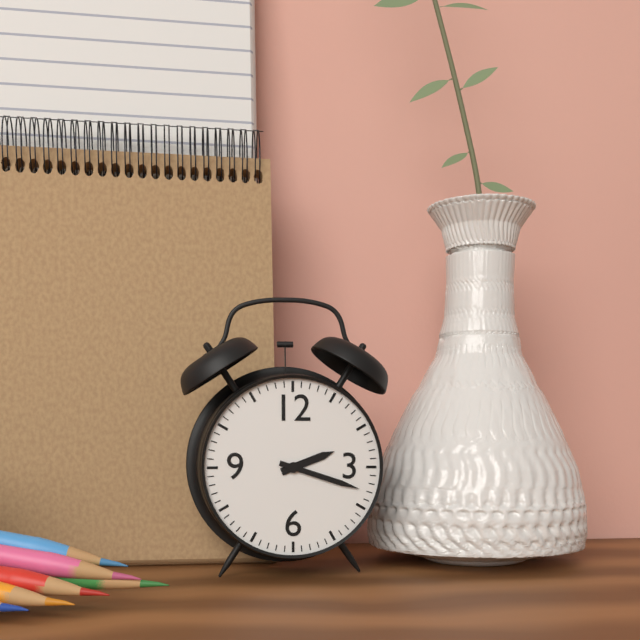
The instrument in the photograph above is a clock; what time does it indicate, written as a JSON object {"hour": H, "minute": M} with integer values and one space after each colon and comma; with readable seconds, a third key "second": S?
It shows {"hour": 2, "minute": 18}
